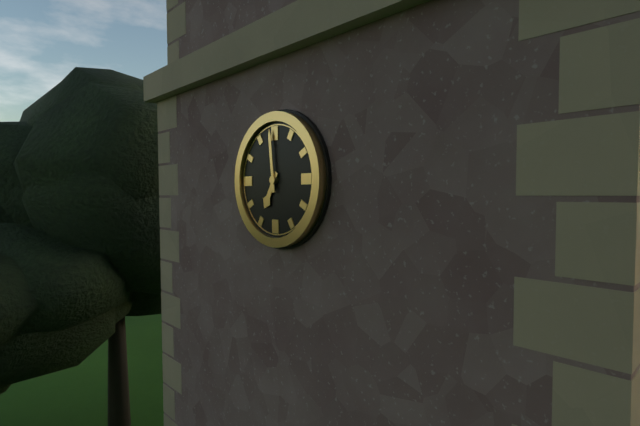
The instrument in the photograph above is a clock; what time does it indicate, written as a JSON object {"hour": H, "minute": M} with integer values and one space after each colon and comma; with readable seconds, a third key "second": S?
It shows {"hour": 6, "minute": 59}
